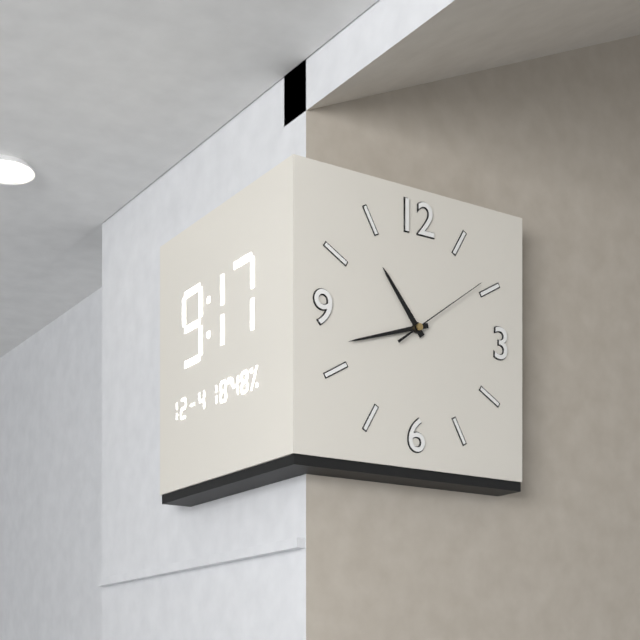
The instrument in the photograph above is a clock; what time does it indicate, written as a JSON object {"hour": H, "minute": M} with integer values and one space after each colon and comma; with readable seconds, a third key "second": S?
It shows {"hour": 10, "minute": 42, "second": 9}
